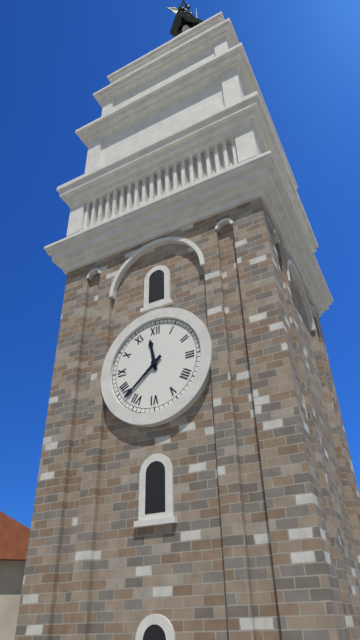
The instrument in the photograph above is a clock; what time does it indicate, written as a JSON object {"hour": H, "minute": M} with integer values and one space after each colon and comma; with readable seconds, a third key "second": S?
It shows {"hour": 11, "minute": 38}
